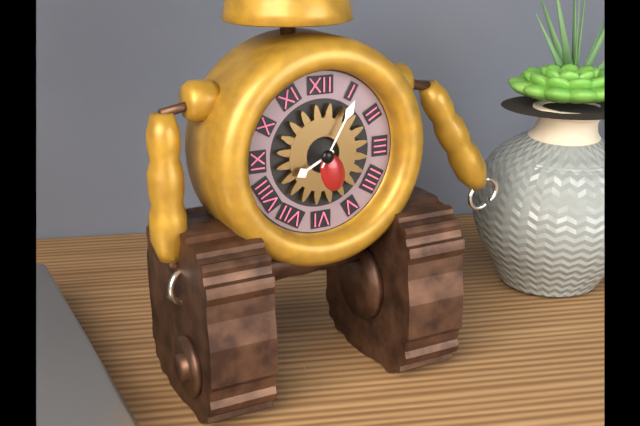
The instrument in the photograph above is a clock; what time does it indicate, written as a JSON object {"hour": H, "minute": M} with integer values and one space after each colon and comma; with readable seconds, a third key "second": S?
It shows {"hour": 8, "minute": 5}
